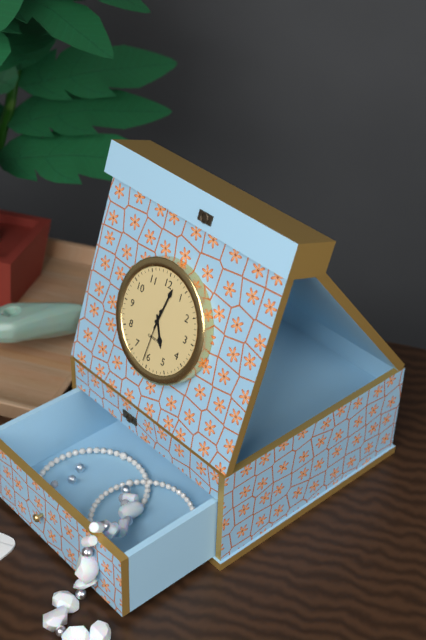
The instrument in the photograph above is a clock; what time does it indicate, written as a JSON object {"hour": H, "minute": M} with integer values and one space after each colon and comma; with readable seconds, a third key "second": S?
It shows {"hour": 5, "minute": 2, "second": 31}
